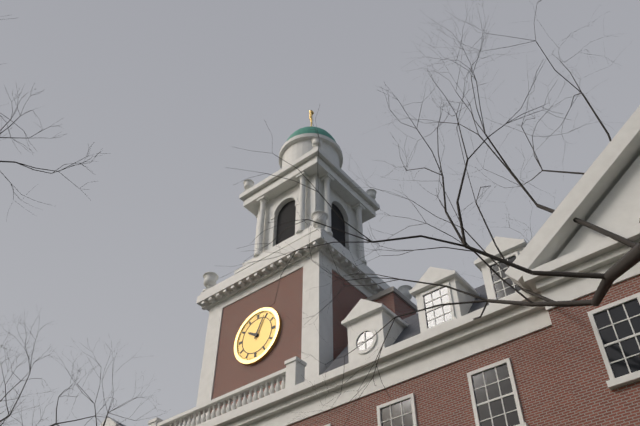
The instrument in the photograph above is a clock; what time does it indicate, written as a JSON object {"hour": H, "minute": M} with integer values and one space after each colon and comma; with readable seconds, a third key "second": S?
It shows {"hour": 10, "minute": 4}
